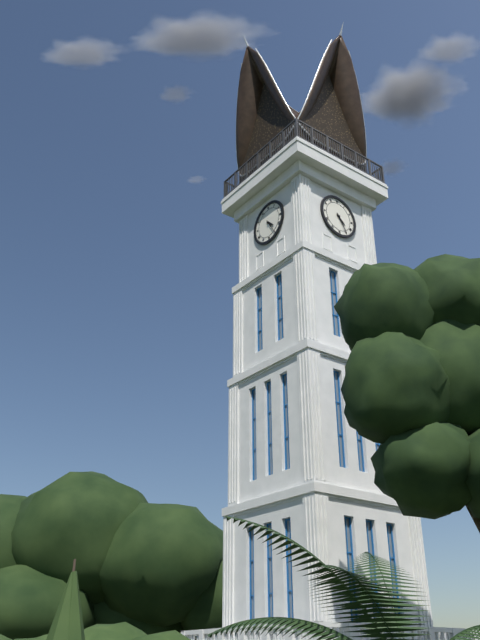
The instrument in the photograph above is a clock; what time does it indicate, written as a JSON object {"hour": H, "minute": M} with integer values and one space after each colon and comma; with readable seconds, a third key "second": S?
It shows {"hour": 4, "minute": 25}
